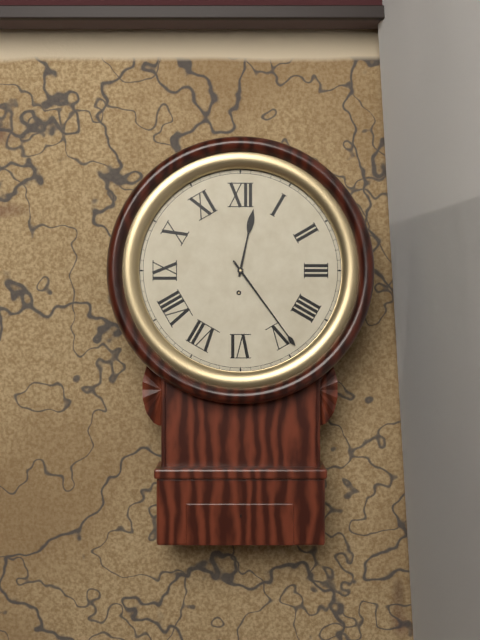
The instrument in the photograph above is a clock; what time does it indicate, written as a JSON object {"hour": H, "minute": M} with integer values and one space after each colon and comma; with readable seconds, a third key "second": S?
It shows {"hour": 12, "minute": 24}
